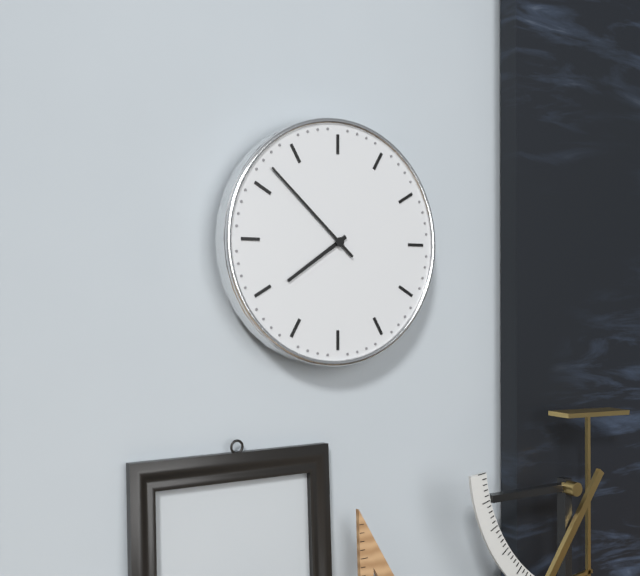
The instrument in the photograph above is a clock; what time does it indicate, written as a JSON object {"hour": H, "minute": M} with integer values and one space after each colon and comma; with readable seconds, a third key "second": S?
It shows {"hour": 7, "minute": 52}
